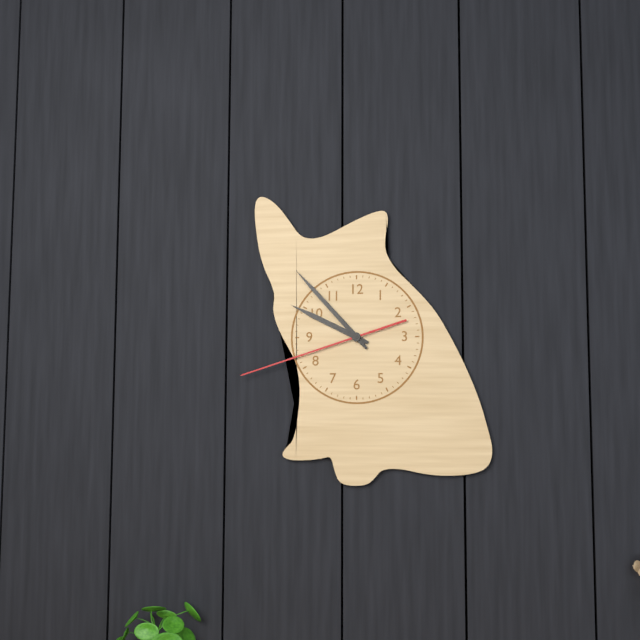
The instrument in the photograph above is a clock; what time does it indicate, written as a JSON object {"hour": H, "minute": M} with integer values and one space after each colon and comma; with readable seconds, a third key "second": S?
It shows {"hour": 9, "minute": 53, "second": 42}
